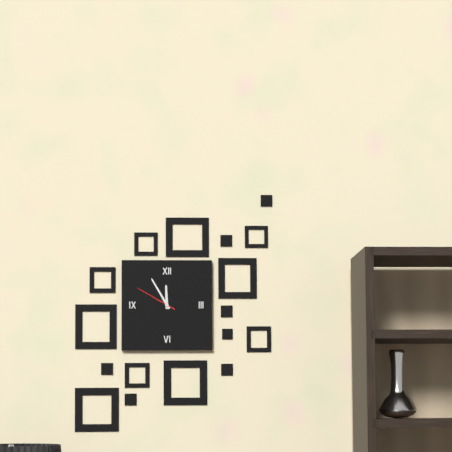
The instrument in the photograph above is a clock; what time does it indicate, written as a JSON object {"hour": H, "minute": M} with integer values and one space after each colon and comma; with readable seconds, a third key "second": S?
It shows {"hour": 11, "minute": 55}
